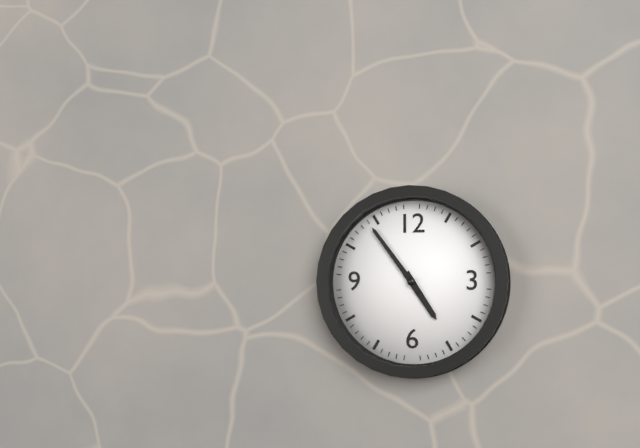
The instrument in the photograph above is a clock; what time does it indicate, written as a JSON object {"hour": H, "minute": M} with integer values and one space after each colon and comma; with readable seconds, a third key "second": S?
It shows {"hour": 4, "minute": 54}
